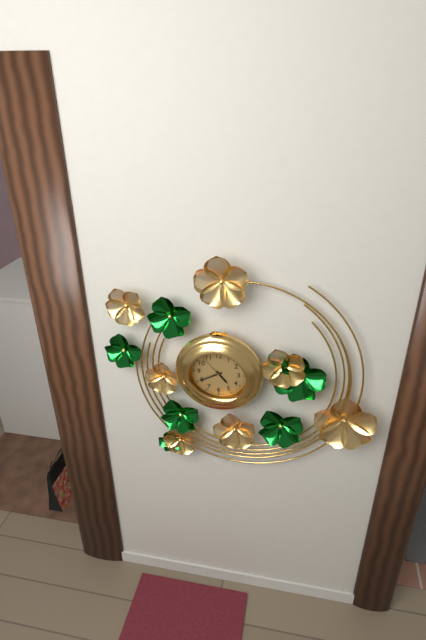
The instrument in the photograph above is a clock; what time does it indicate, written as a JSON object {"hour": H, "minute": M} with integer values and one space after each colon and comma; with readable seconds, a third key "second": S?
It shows {"hour": 4, "minute": 40}
